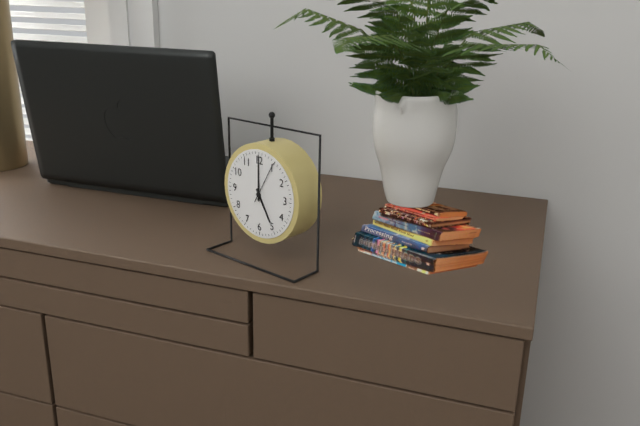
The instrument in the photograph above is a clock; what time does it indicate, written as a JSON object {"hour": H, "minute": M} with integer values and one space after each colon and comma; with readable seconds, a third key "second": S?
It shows {"hour": 5, "minute": 0}
